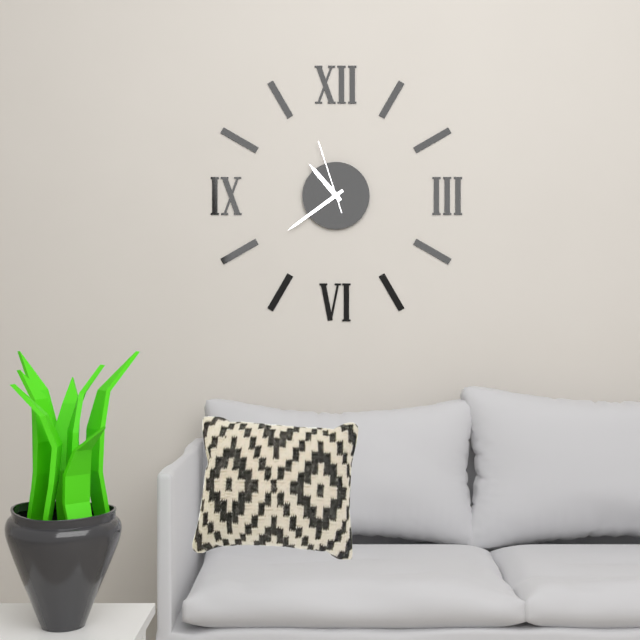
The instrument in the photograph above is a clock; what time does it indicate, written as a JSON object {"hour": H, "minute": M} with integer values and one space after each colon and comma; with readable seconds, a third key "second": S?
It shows {"hour": 10, "minute": 39, "second": 57}
